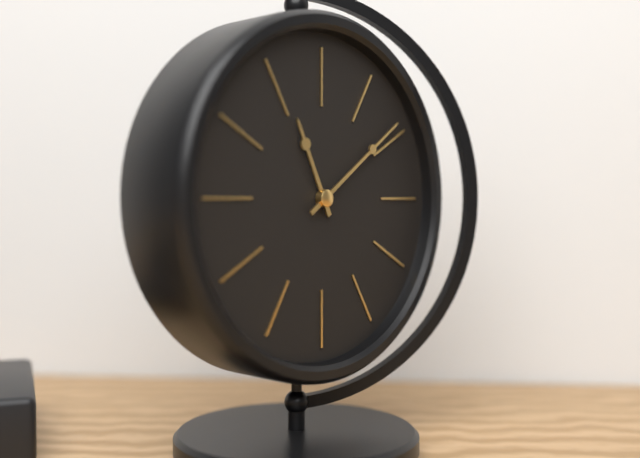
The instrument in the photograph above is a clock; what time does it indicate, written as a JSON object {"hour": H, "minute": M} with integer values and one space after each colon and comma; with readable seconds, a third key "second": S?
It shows {"hour": 11, "minute": 9}
